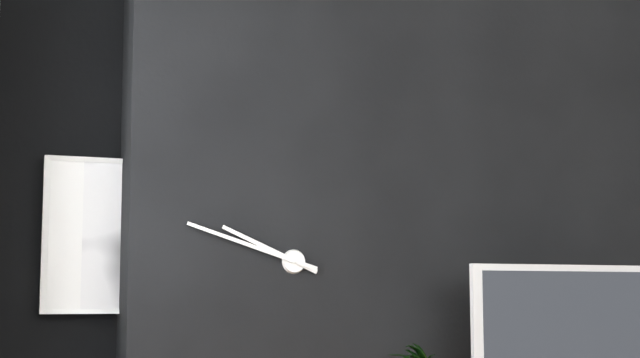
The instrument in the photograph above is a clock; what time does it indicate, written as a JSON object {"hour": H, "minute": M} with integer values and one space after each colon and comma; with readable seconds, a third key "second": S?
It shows {"hour": 9, "minute": 48}
